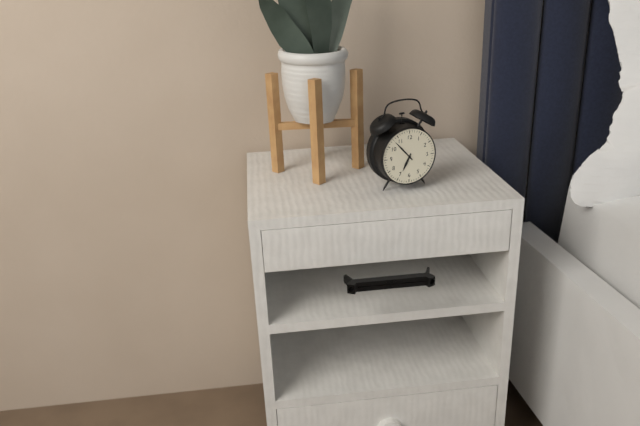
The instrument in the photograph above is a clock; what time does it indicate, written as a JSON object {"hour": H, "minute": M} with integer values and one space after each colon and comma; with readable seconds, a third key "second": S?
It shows {"hour": 6, "minute": 53}
